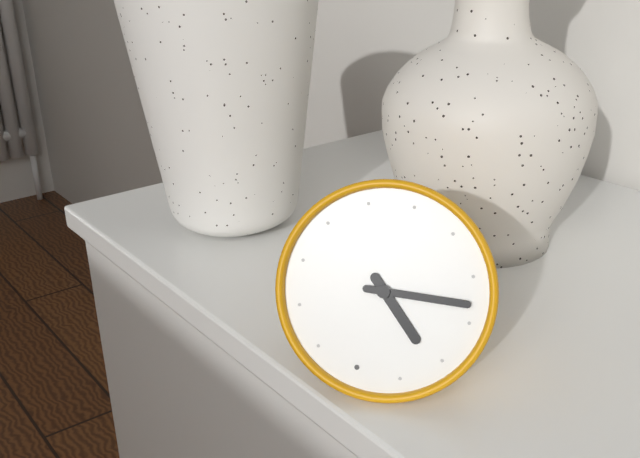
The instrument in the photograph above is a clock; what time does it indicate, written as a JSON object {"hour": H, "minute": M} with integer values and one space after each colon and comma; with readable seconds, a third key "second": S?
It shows {"hour": 4, "minute": 13}
